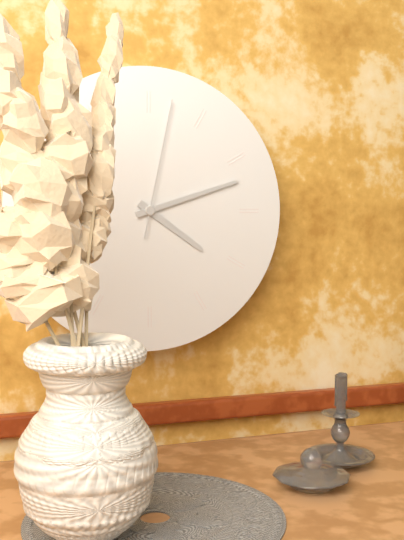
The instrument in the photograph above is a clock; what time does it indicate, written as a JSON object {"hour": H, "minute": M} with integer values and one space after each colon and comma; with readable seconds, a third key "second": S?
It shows {"hour": 4, "minute": 12, "second": 2}
